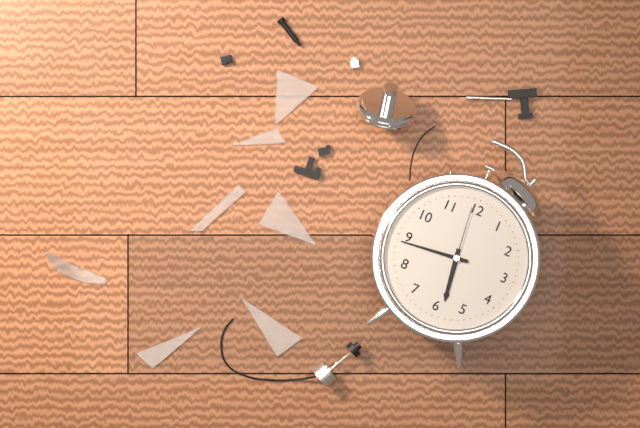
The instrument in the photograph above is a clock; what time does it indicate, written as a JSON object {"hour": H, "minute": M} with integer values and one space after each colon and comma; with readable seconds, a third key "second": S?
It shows {"hour": 5, "minute": 44, "second": 59}
